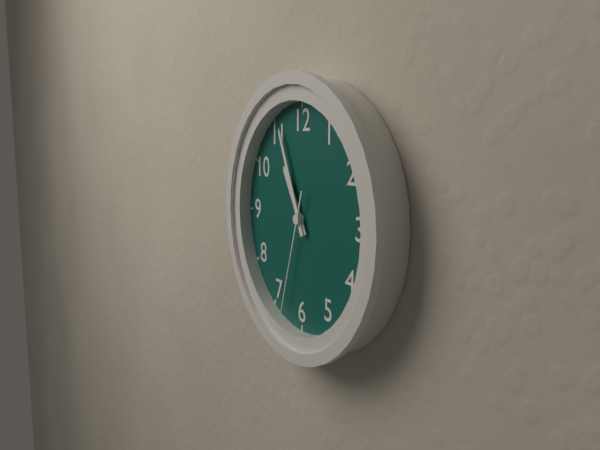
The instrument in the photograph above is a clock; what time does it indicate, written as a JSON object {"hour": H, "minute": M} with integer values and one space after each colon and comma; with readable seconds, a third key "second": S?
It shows {"hour": 10, "minute": 56, "second": 33}
